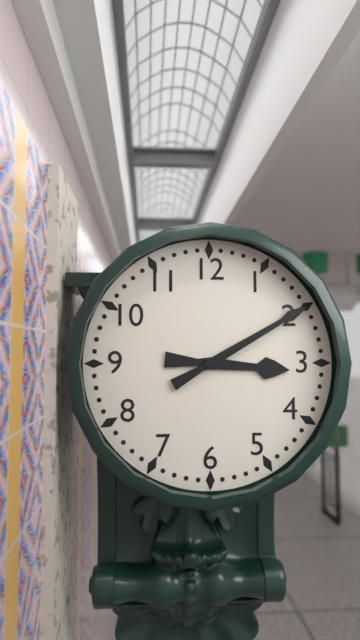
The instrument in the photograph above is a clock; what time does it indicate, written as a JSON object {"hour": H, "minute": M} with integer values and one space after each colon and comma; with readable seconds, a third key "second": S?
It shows {"hour": 3, "minute": 10}
